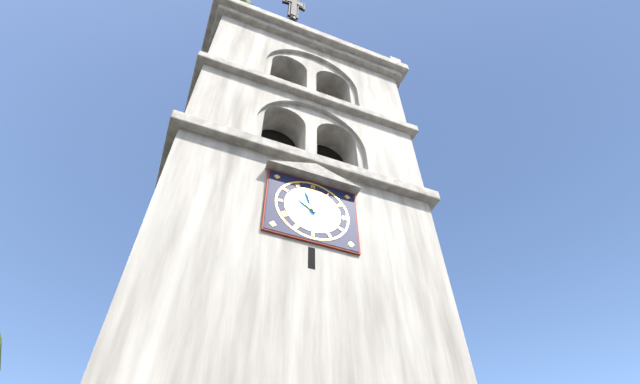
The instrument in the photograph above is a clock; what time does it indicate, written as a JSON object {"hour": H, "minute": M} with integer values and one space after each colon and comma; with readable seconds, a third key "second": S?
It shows {"hour": 9, "minute": 57}
